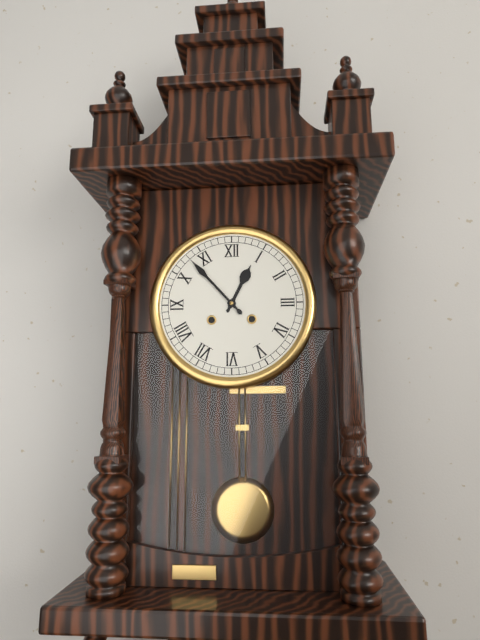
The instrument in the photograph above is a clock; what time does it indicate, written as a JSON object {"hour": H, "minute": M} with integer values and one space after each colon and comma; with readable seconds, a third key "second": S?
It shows {"hour": 12, "minute": 53}
